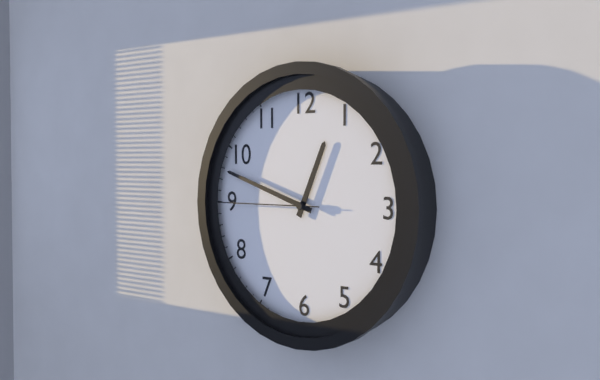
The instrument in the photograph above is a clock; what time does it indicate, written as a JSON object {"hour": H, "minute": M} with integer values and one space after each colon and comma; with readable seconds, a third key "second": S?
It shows {"hour": 12, "minute": 48, "second": 45}
